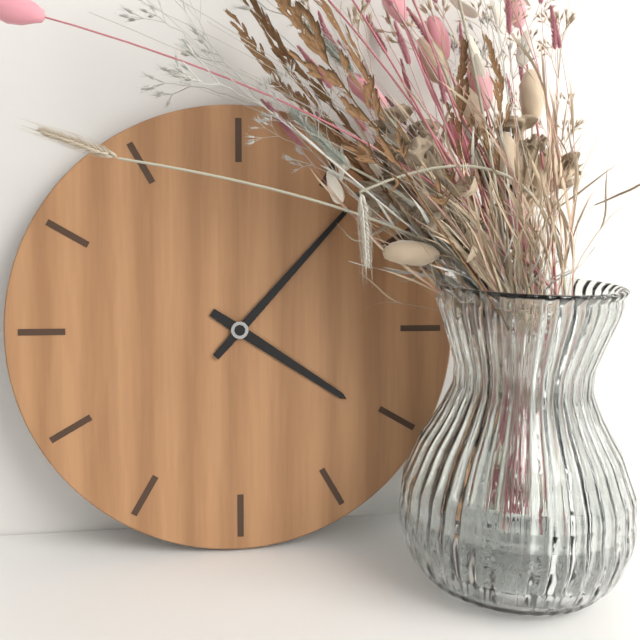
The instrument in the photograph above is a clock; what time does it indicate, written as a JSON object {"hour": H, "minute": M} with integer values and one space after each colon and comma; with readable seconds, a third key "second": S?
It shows {"hour": 4, "minute": 7}
